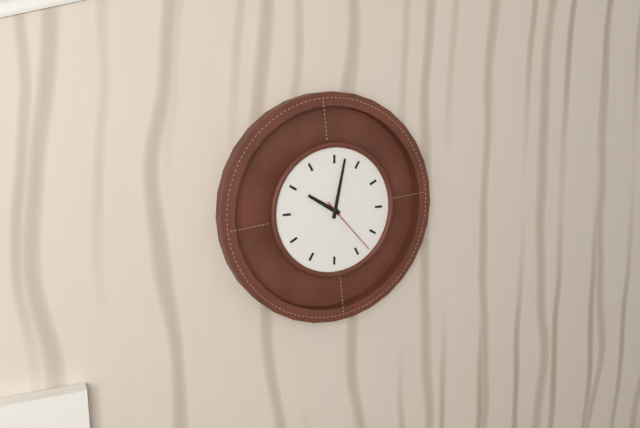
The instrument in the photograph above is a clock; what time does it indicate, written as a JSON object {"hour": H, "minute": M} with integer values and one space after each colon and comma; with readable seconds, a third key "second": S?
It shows {"hour": 10, "minute": 2, "second": 23}
